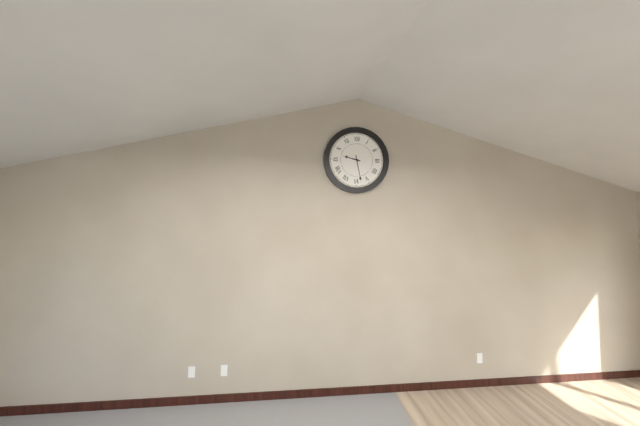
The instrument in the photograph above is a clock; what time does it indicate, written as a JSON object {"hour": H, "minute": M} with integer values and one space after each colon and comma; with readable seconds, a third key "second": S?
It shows {"hour": 9, "minute": 28}
